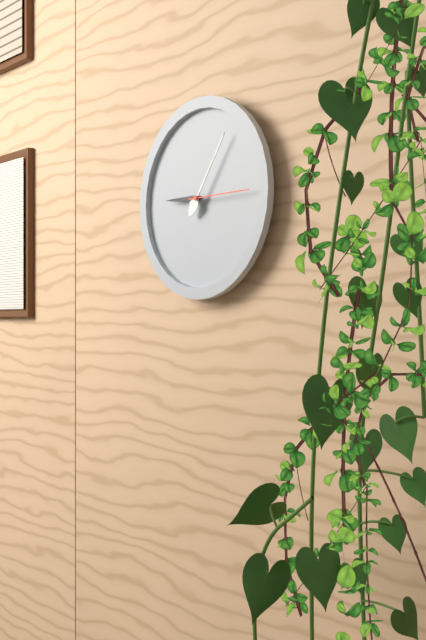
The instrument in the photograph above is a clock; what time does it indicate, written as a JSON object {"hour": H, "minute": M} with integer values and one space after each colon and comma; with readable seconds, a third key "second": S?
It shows {"hour": 9, "minute": 6, "second": 15}
